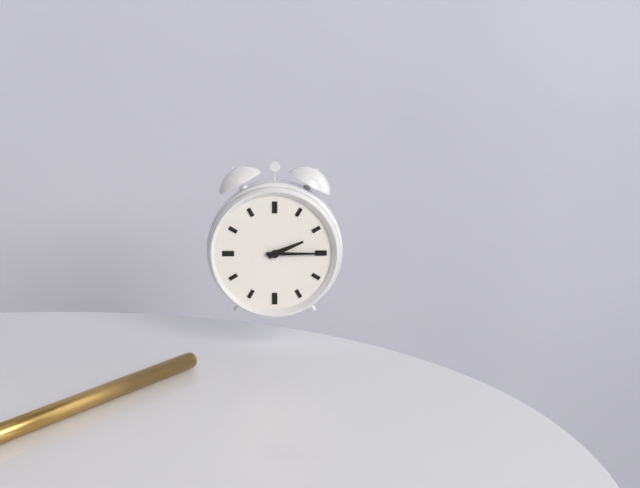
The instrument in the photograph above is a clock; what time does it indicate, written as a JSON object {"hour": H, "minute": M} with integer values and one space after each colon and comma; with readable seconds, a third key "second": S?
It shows {"hour": 2, "minute": 15}
